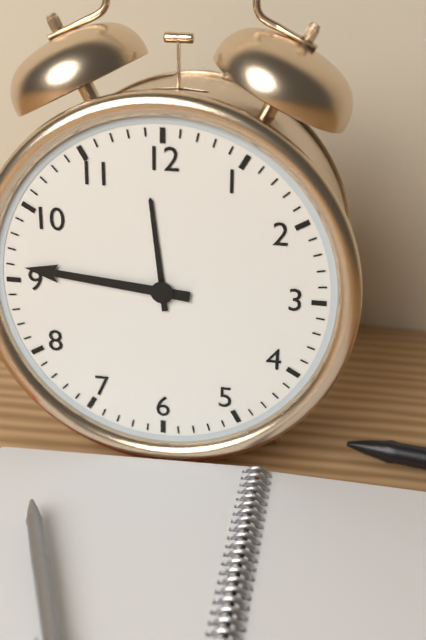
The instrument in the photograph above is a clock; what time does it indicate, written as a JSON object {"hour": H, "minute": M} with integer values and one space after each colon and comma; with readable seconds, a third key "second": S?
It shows {"hour": 11, "minute": 46}
